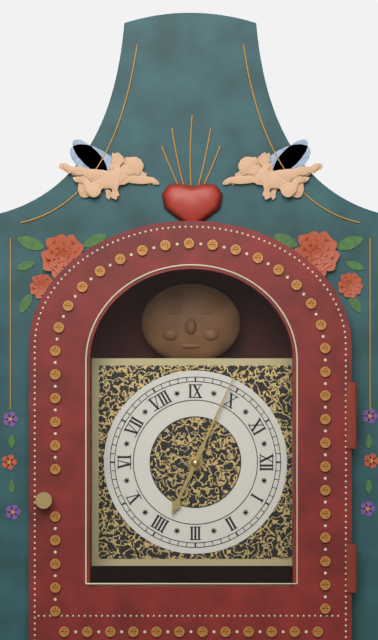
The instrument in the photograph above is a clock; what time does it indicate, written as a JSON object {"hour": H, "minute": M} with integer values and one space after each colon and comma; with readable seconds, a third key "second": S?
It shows {"hour": 3, "minute": 49}
